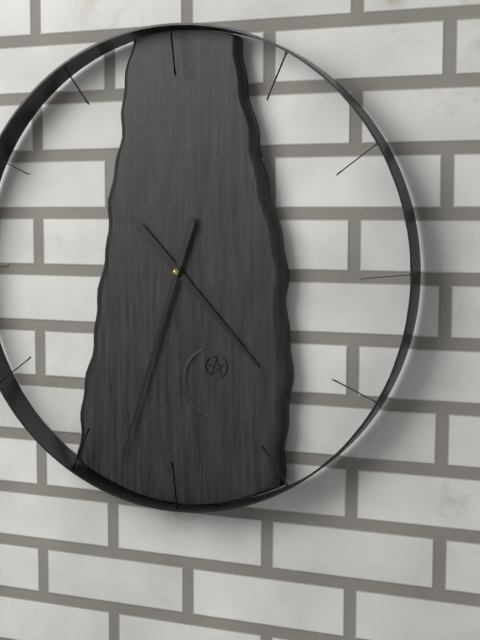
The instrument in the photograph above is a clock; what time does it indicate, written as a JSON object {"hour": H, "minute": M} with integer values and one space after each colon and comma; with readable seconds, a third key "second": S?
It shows {"hour": 4, "minute": 33}
